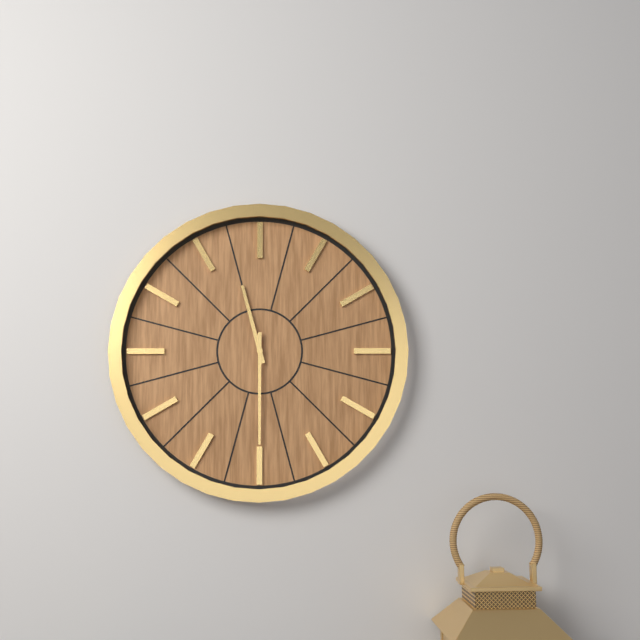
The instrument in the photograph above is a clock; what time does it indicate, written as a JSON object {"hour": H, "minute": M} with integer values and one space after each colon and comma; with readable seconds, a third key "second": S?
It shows {"hour": 11, "minute": 30}
